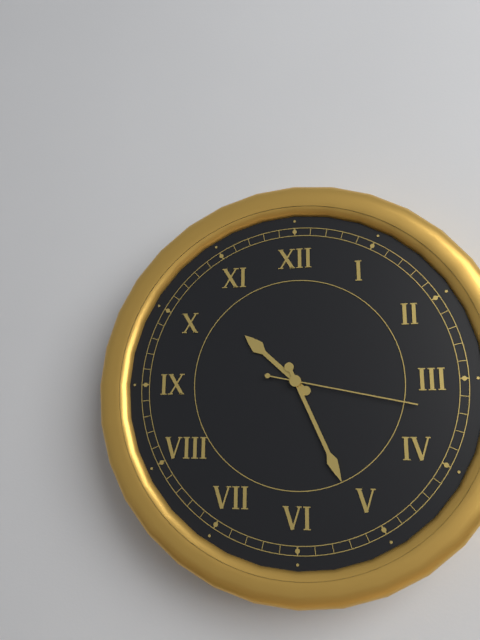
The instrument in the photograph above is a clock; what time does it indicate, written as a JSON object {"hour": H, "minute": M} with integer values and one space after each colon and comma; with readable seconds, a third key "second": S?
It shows {"hour": 10, "minute": 26, "second": 17}
